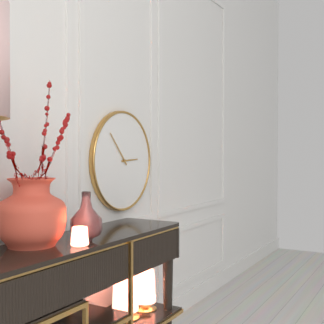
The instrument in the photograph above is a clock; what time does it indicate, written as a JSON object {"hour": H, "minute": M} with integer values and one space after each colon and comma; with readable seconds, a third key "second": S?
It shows {"hour": 2, "minute": 53}
